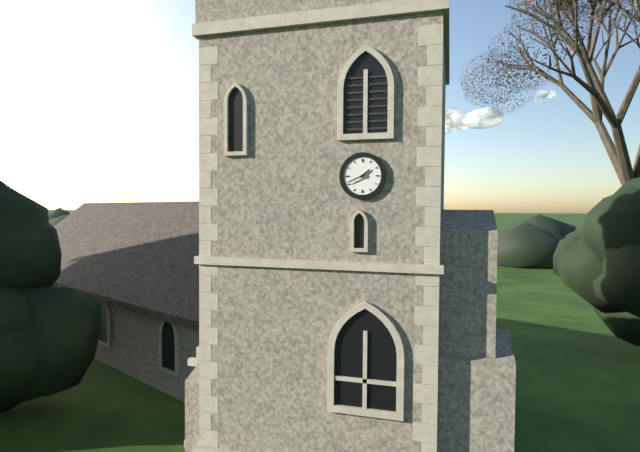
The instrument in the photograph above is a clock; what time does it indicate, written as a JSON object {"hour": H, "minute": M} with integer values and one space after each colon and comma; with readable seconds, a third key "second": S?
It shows {"hour": 1, "minute": 41}
